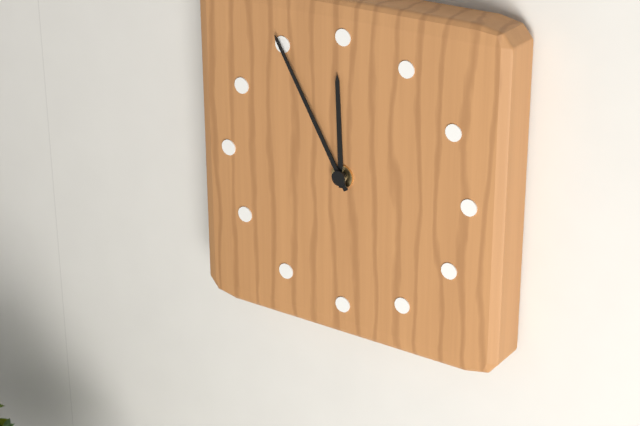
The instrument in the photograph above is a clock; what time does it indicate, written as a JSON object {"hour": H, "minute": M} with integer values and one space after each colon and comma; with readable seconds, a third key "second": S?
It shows {"hour": 11, "minute": 55}
